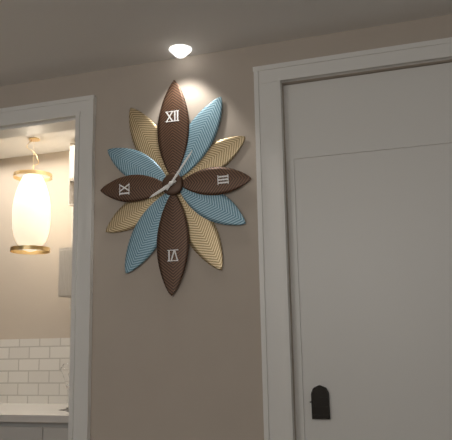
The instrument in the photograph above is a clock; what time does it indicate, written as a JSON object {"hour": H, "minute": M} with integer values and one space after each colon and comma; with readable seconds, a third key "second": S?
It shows {"hour": 8, "minute": 6}
